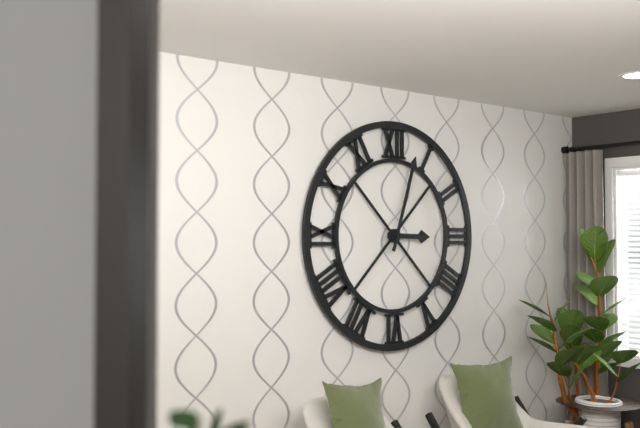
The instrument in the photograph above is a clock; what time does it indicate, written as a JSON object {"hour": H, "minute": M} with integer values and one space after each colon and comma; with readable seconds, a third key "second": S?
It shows {"hour": 3, "minute": 3}
